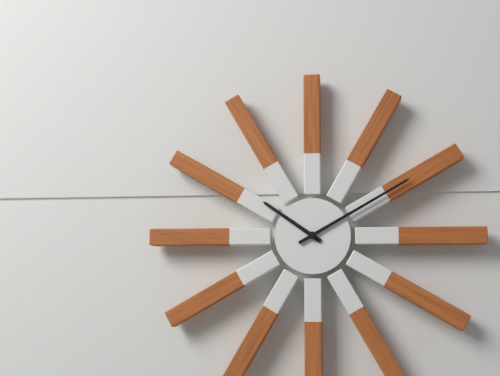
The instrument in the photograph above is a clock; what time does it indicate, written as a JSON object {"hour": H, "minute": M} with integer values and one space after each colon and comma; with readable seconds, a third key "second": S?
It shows {"hour": 10, "minute": 10}
